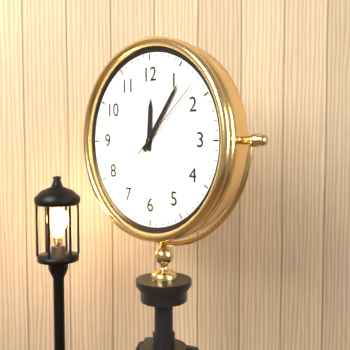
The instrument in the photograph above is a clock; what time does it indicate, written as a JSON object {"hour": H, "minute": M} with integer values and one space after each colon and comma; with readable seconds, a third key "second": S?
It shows {"hour": 12, "minute": 6, "second": 8}
